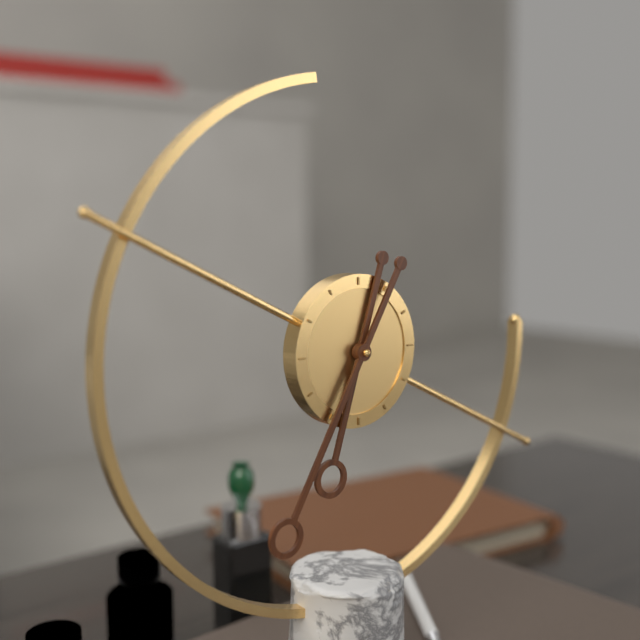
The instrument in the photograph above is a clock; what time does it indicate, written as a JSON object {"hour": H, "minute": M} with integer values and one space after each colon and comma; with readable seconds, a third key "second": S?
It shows {"hour": 6, "minute": 35}
